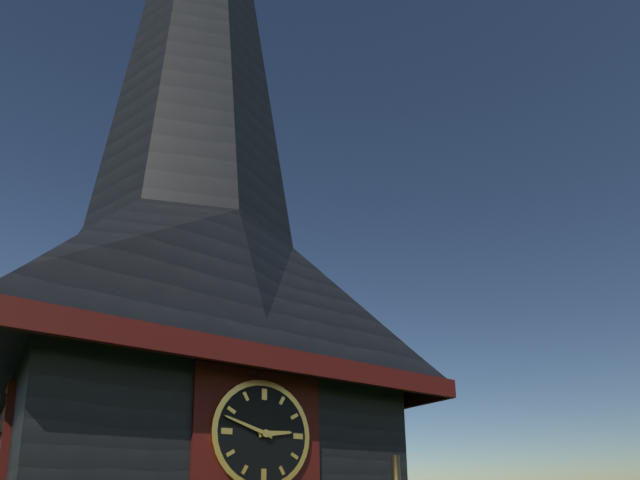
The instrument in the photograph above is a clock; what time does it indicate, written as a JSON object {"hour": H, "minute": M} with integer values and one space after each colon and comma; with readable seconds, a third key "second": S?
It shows {"hour": 2, "minute": 48}
